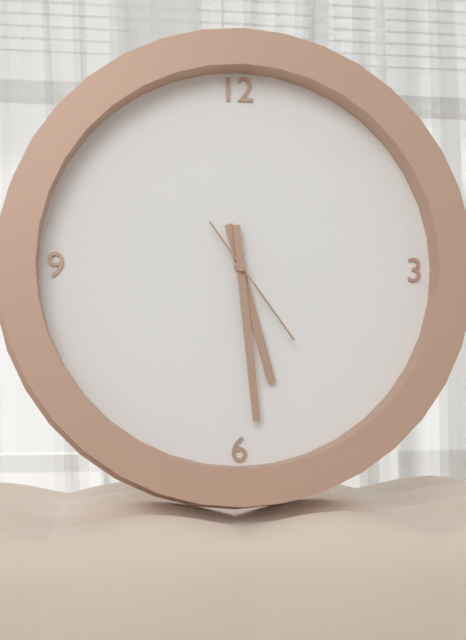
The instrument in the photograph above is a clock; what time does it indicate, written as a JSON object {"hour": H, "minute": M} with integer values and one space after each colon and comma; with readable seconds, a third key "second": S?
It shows {"hour": 5, "minute": 29, "second": 24}
